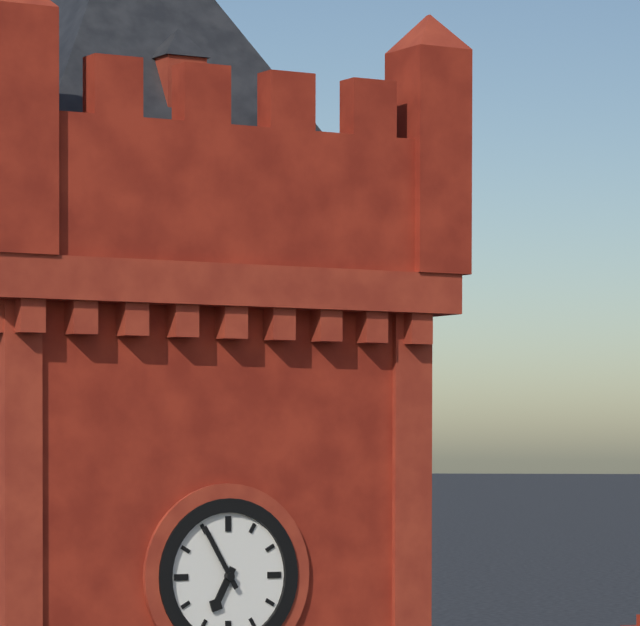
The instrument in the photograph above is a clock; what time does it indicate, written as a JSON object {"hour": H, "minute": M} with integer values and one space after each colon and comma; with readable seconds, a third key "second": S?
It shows {"hour": 6, "minute": 55}
